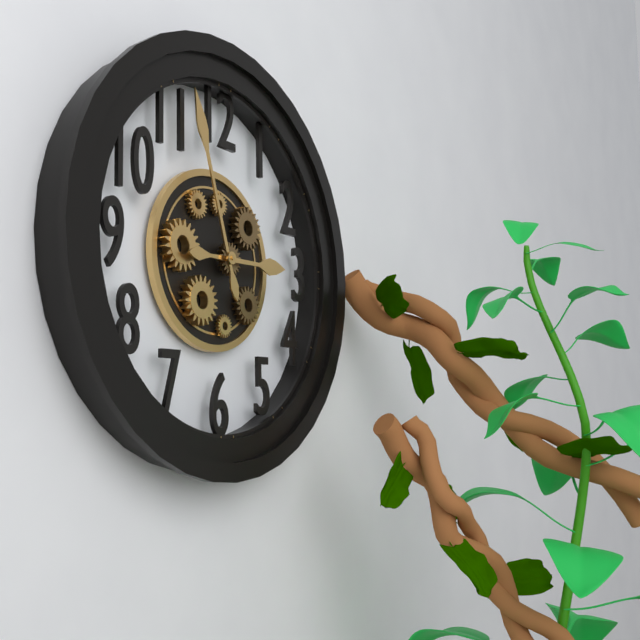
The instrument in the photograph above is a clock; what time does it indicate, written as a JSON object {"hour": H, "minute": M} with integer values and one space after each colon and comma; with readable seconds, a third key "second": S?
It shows {"hour": 2, "minute": 57}
